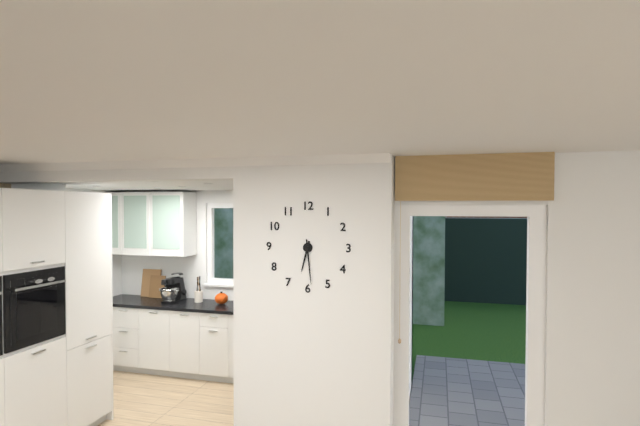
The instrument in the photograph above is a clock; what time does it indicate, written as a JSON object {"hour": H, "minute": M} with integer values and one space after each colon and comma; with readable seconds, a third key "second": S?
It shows {"hour": 6, "minute": 29}
